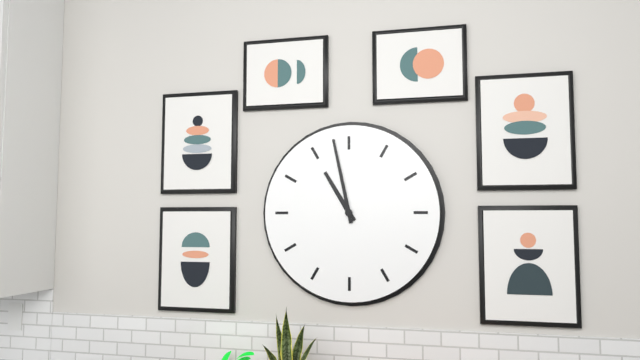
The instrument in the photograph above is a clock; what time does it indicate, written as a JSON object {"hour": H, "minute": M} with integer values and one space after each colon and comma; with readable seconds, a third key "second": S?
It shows {"hour": 10, "minute": 58}
